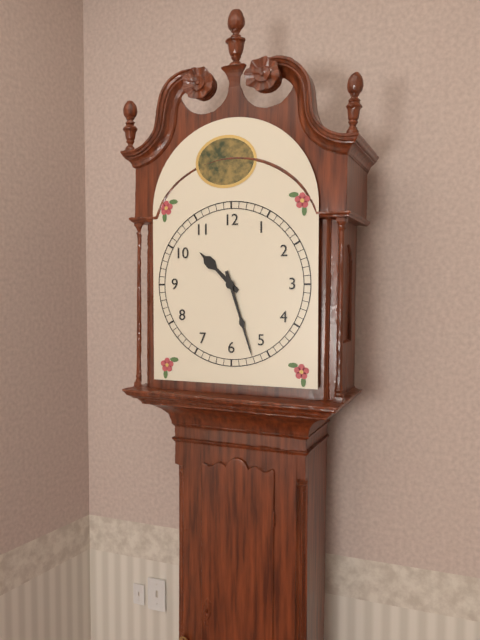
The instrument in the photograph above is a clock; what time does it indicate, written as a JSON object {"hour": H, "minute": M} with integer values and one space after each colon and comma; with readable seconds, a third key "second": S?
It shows {"hour": 10, "minute": 27}
